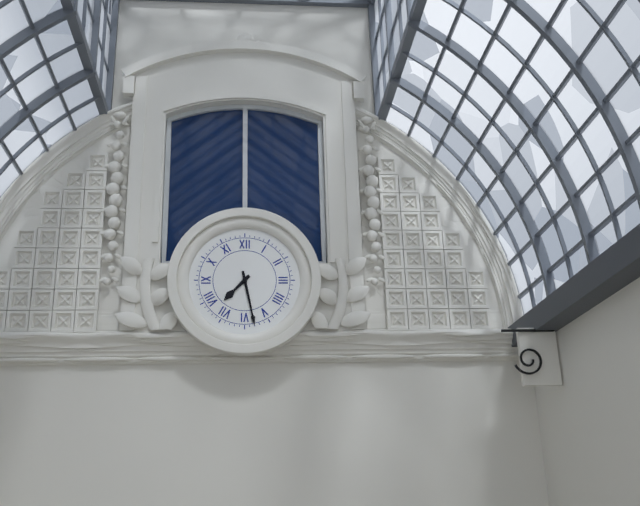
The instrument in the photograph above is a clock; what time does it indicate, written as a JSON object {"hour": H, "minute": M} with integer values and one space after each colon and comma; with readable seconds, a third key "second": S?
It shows {"hour": 7, "minute": 28}
